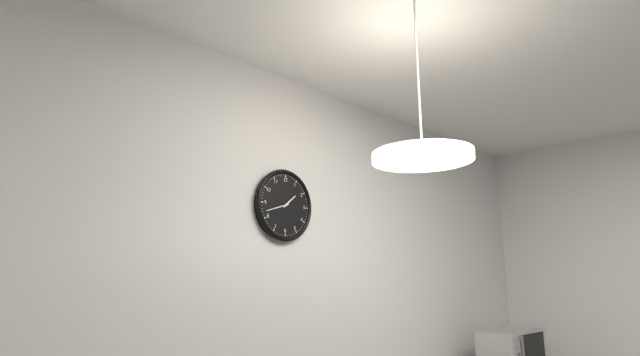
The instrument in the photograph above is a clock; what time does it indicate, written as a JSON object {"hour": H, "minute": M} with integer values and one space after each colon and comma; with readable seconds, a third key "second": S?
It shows {"hour": 1, "minute": 42}
